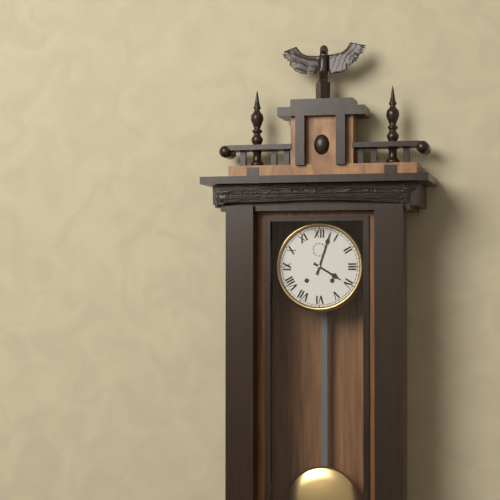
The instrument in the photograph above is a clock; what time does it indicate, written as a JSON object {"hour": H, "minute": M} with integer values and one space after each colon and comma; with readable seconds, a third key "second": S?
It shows {"hour": 4, "minute": 3}
